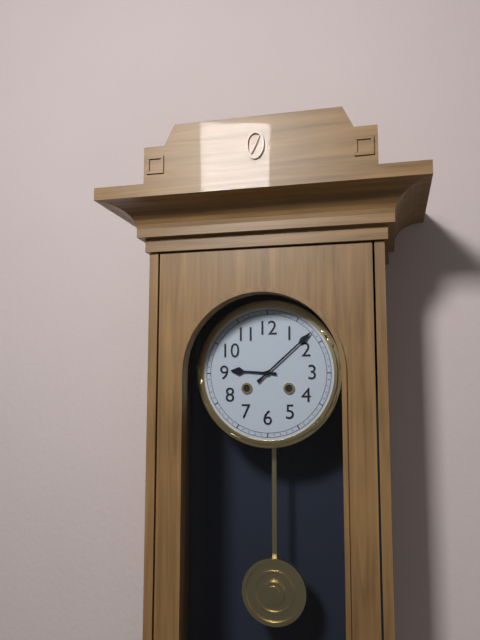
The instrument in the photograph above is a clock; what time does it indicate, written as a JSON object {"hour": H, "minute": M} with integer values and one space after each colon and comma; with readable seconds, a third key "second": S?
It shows {"hour": 9, "minute": 8}
